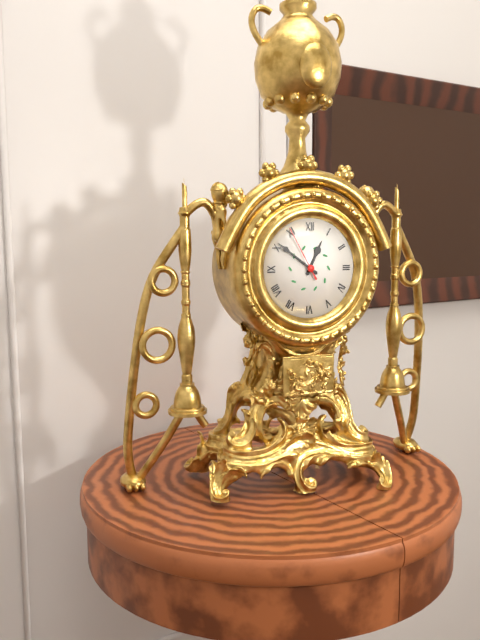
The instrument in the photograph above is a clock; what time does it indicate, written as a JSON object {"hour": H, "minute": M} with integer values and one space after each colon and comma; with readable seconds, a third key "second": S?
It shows {"hour": 12, "minute": 51, "second": 55}
